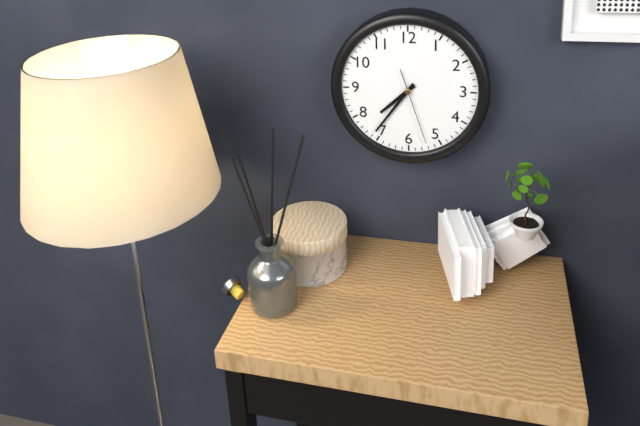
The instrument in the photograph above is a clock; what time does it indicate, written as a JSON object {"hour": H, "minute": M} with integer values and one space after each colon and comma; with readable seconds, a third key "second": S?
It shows {"hour": 7, "minute": 36, "second": 27}
